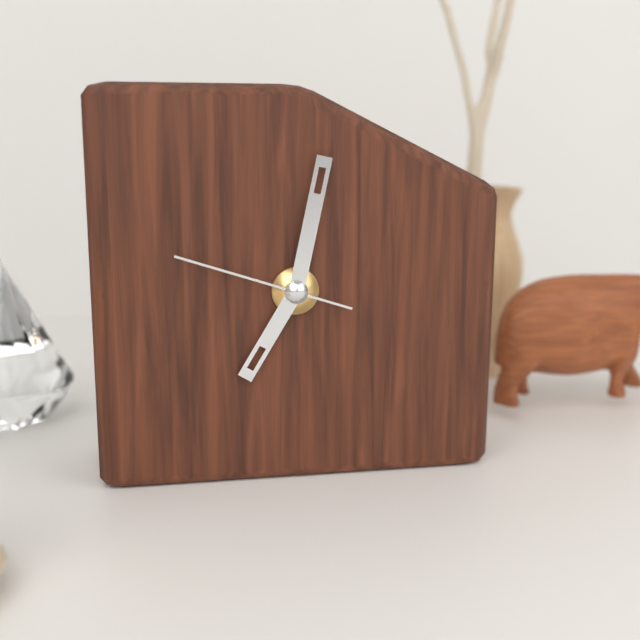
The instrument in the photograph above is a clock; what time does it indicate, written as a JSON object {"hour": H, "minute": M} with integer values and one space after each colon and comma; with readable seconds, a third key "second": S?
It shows {"hour": 7, "minute": 2, "second": 48}
